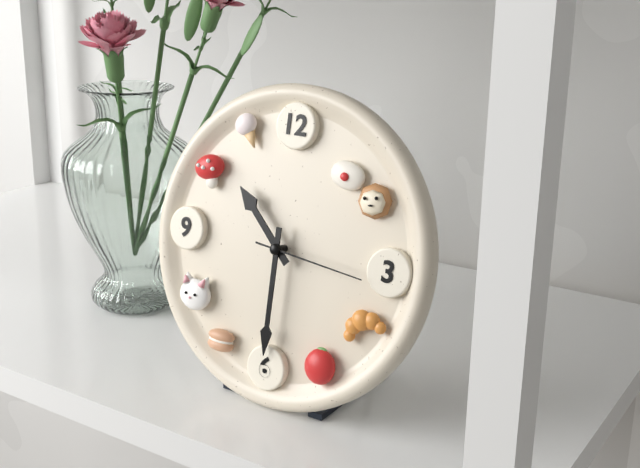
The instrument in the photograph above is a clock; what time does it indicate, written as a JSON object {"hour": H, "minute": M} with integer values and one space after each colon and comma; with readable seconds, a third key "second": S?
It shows {"hour": 10, "minute": 30, "second": 16}
